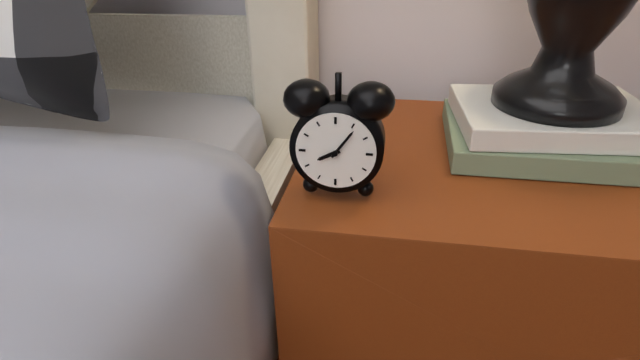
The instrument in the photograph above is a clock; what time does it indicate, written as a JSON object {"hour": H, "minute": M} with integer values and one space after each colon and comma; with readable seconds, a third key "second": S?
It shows {"hour": 8, "minute": 6}
